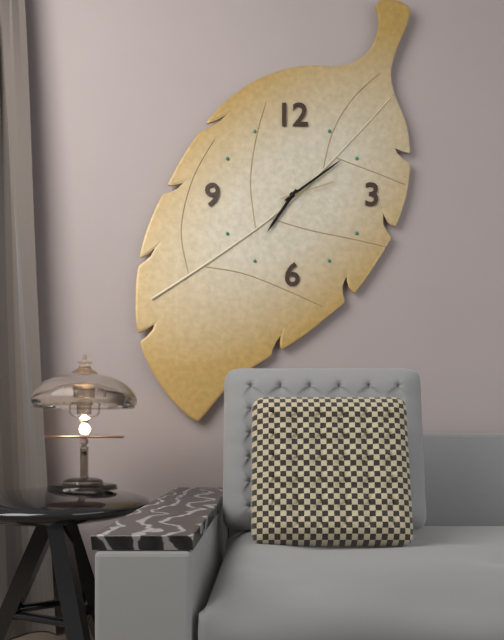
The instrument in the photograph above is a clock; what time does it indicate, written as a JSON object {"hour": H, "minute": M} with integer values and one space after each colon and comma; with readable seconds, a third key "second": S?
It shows {"hour": 7, "minute": 9, "second": 12}
